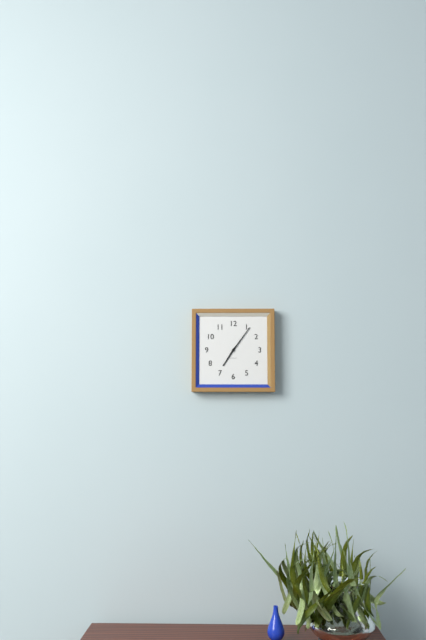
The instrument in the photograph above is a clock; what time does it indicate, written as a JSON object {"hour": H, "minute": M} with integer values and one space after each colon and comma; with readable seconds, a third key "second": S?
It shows {"hour": 7, "minute": 6}
